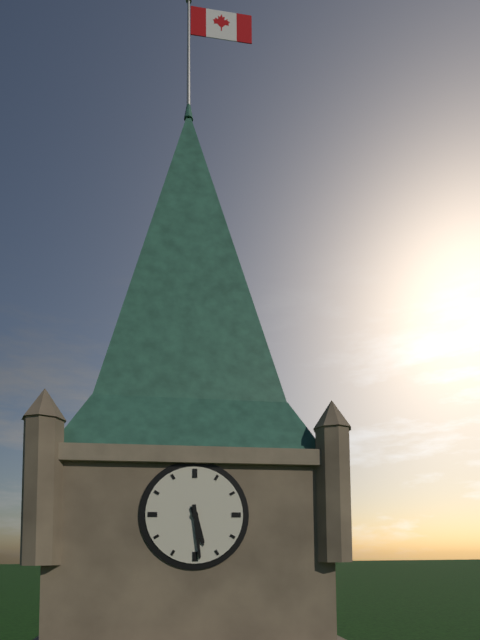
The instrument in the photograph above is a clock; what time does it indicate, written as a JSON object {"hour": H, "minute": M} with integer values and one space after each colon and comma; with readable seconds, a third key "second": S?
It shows {"hour": 5, "minute": 29}
